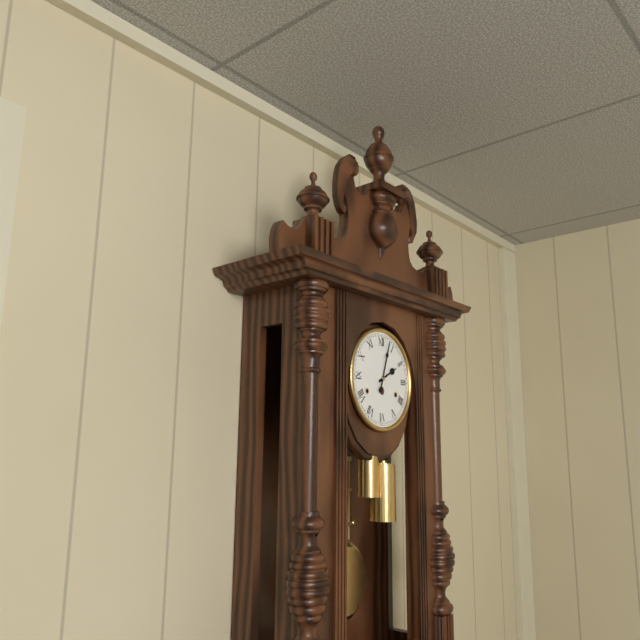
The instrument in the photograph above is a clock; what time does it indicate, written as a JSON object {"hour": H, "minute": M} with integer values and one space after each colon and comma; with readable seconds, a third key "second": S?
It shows {"hour": 2, "minute": 3}
